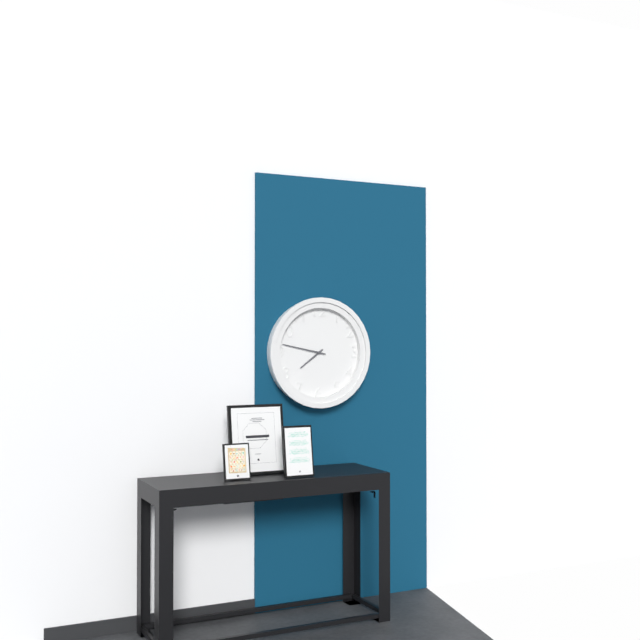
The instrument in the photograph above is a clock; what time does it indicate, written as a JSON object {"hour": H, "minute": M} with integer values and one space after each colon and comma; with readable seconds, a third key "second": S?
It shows {"hour": 7, "minute": 47}
